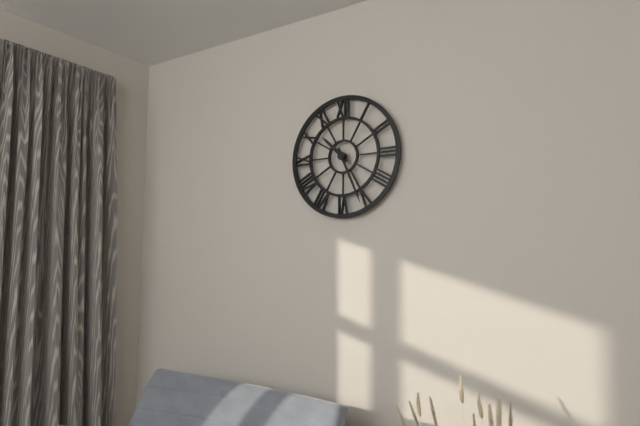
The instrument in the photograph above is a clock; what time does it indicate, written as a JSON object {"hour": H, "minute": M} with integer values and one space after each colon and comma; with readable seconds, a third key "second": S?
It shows {"hour": 10, "minute": 26}
